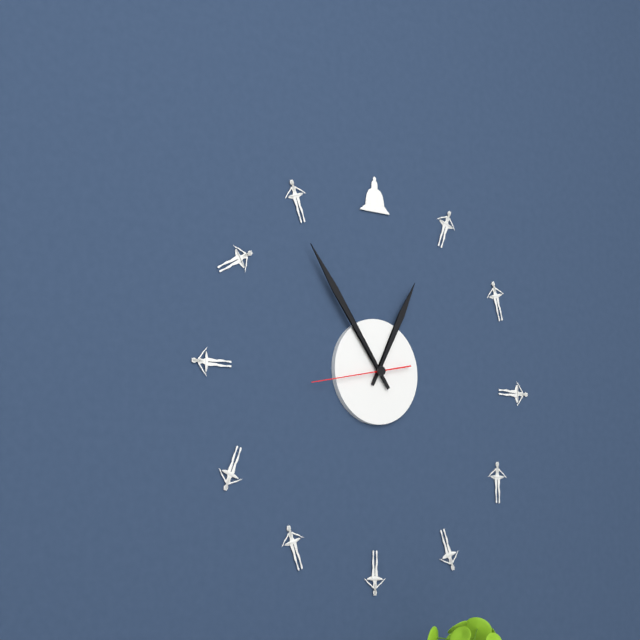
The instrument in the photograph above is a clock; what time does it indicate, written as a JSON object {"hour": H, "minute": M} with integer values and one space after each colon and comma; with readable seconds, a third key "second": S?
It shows {"hour": 12, "minute": 54, "second": 43}
